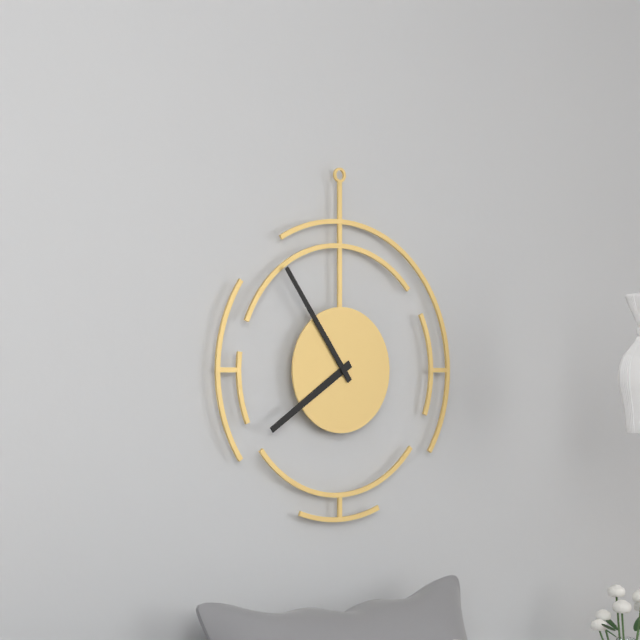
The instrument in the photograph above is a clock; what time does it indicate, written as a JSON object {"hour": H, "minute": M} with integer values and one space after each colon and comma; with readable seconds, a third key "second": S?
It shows {"hour": 7, "minute": 54}
